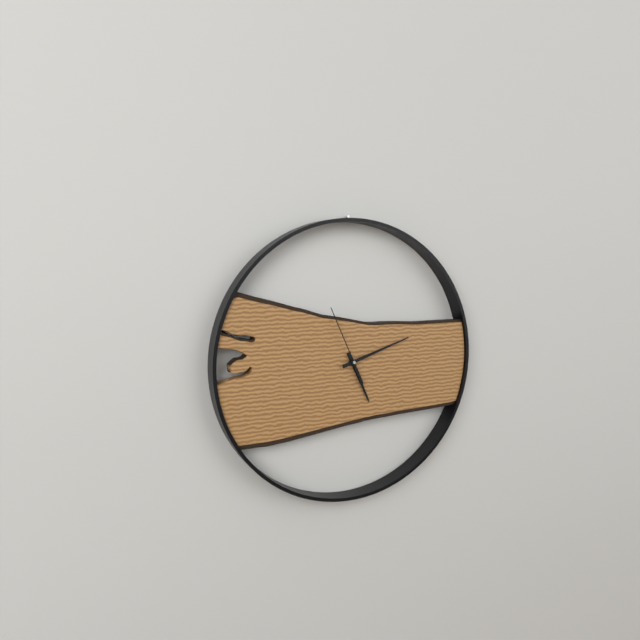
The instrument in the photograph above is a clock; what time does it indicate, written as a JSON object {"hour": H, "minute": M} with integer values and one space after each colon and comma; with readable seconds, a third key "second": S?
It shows {"hour": 5, "minute": 12, "second": 56}
